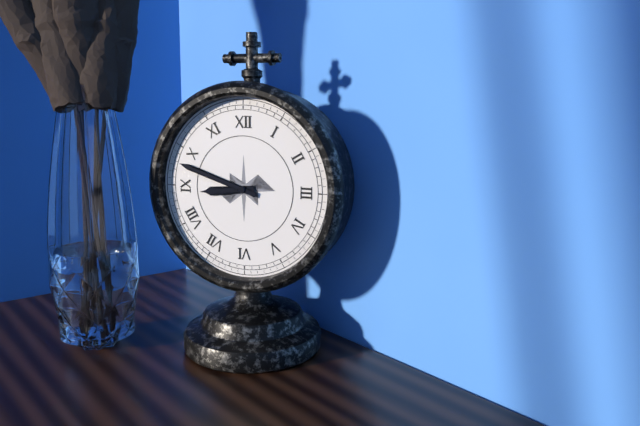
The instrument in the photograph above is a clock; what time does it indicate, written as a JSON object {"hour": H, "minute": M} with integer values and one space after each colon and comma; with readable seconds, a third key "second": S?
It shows {"hour": 8, "minute": 48}
